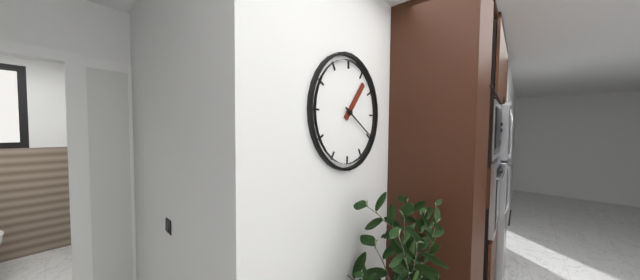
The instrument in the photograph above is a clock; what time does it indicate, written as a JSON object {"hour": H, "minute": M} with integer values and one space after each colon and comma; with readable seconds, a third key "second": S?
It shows {"hour": 1, "minute": 20}
